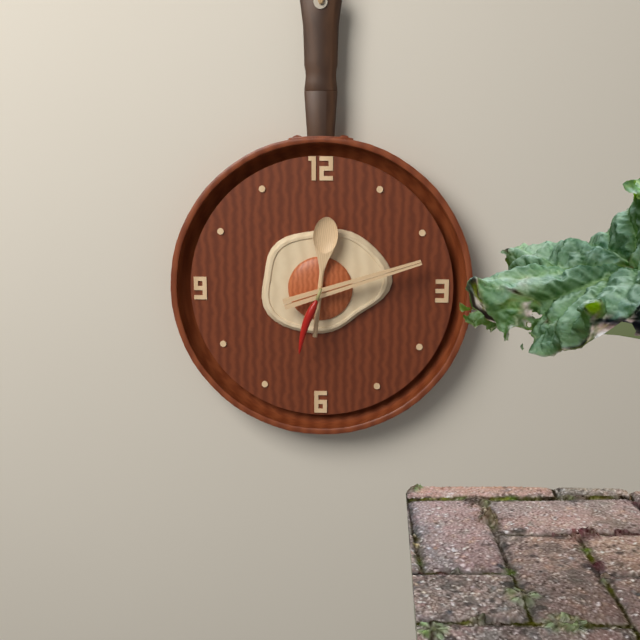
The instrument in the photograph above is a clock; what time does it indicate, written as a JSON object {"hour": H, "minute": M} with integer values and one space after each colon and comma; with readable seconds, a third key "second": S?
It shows {"hour": 12, "minute": 12, "second": 33}
